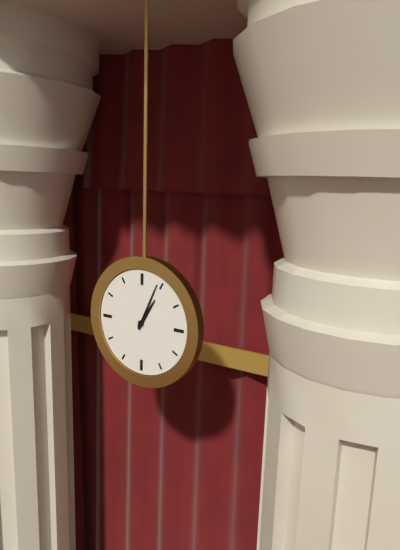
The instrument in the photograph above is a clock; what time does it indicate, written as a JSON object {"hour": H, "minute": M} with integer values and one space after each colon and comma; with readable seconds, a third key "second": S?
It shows {"hour": 1, "minute": 4}
